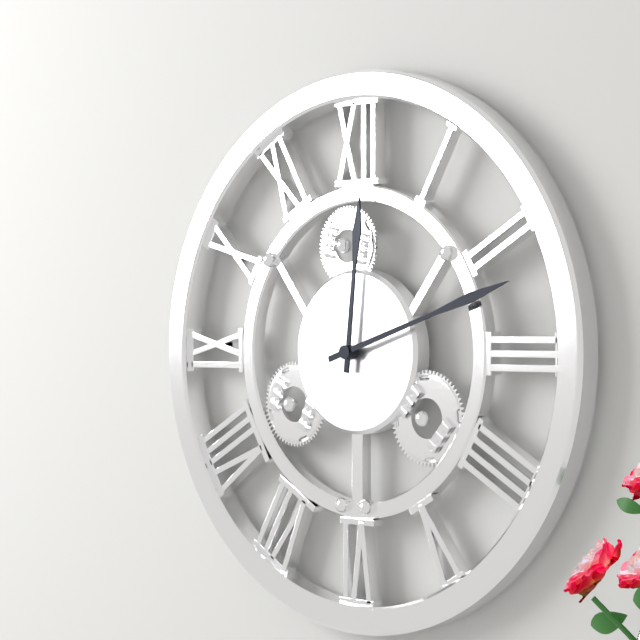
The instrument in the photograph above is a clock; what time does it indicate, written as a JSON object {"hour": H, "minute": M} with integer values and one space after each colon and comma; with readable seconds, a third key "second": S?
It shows {"hour": 12, "minute": 12}
